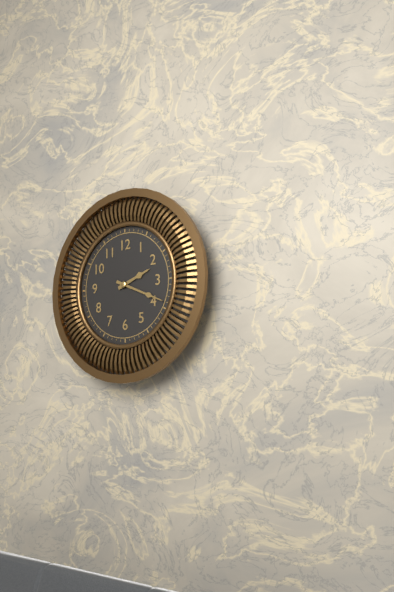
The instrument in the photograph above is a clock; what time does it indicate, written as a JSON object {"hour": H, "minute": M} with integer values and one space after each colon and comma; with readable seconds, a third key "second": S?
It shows {"hour": 2, "minute": 19}
